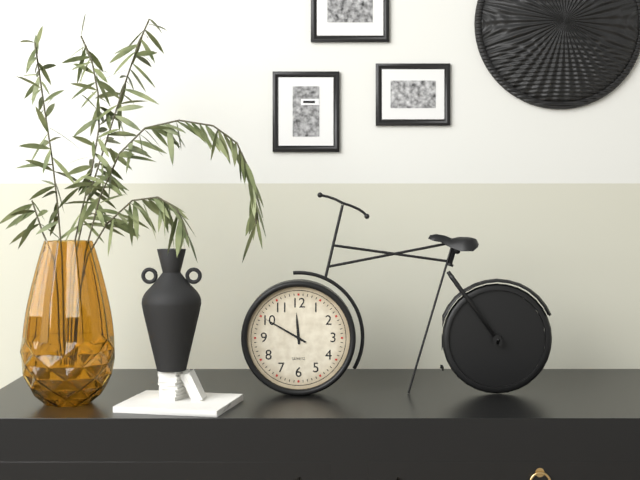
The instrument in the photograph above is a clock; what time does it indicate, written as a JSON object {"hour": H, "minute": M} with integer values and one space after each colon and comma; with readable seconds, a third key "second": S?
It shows {"hour": 11, "minute": 50}
